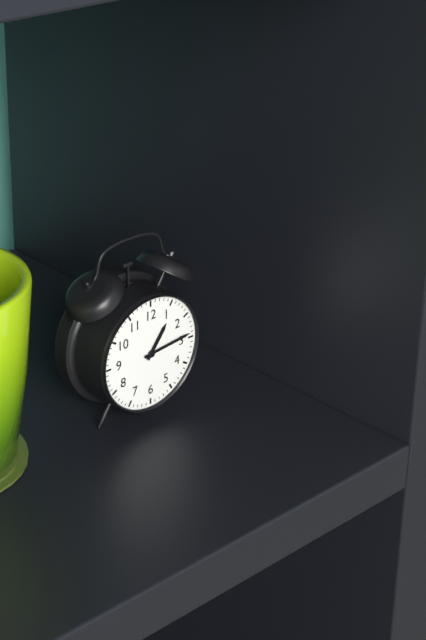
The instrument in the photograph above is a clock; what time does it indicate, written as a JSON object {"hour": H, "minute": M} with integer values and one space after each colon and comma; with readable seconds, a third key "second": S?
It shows {"hour": 1, "minute": 14}
